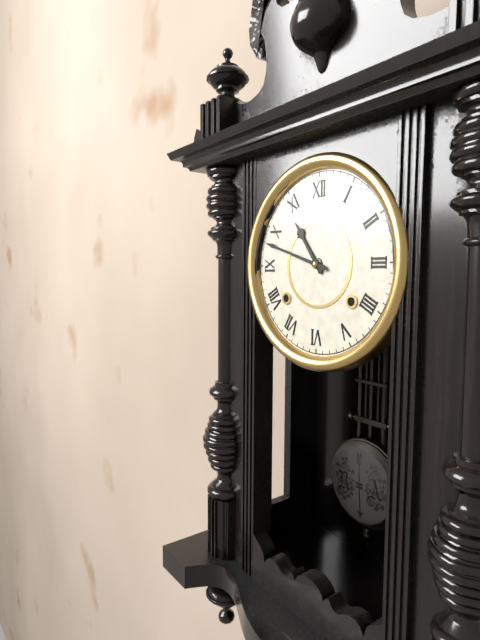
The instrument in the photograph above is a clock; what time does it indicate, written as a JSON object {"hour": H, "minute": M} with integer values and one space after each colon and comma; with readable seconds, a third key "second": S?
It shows {"hour": 10, "minute": 48}
